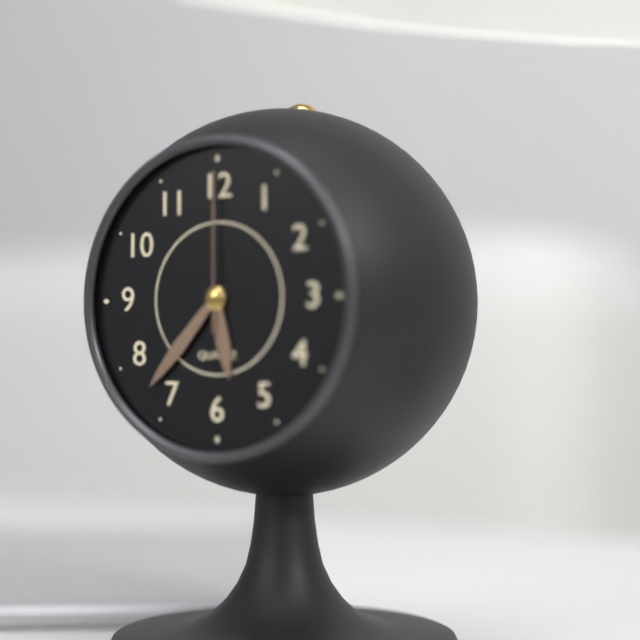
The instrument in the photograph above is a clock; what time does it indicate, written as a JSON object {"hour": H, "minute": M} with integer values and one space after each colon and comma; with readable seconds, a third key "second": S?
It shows {"hour": 5, "minute": 37, "second": 0}
